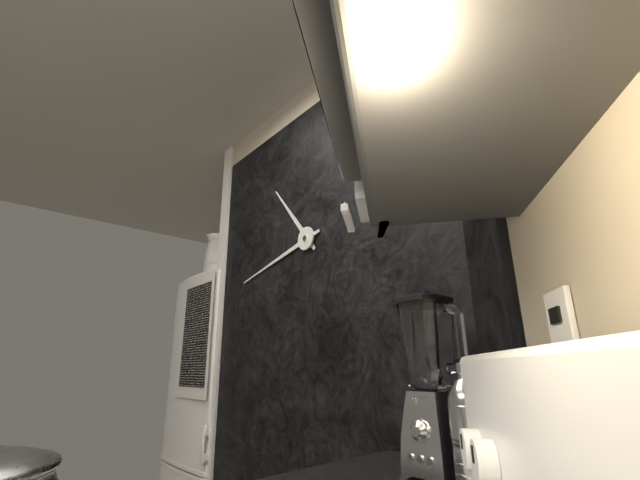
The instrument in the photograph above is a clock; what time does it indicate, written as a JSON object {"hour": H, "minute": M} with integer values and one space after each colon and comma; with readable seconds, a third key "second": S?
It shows {"hour": 10, "minute": 43}
